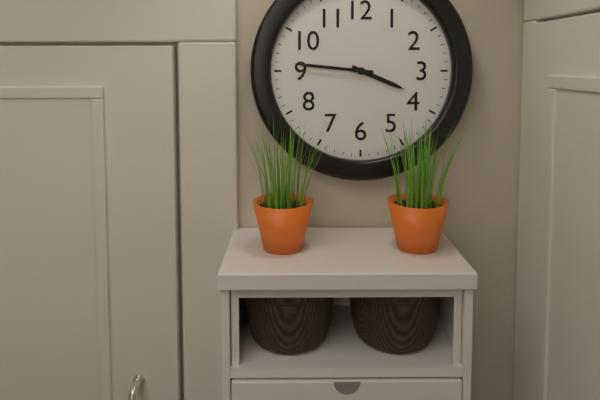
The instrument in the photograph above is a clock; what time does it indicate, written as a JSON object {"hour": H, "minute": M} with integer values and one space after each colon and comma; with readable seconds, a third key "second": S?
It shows {"hour": 3, "minute": 46}
